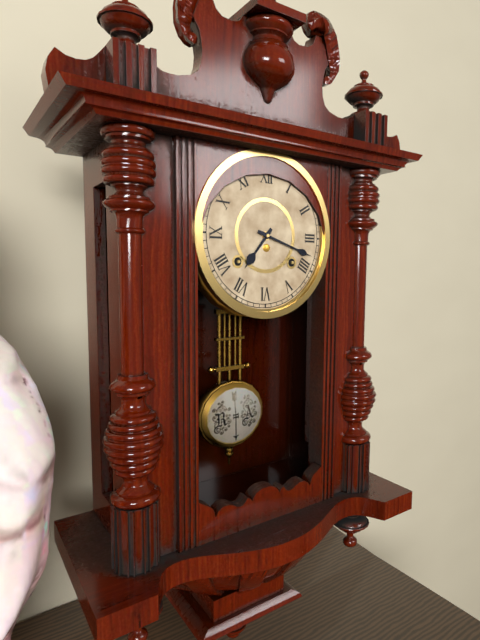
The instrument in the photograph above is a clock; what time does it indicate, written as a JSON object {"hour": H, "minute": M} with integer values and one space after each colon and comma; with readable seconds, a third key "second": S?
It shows {"hour": 7, "minute": 18}
